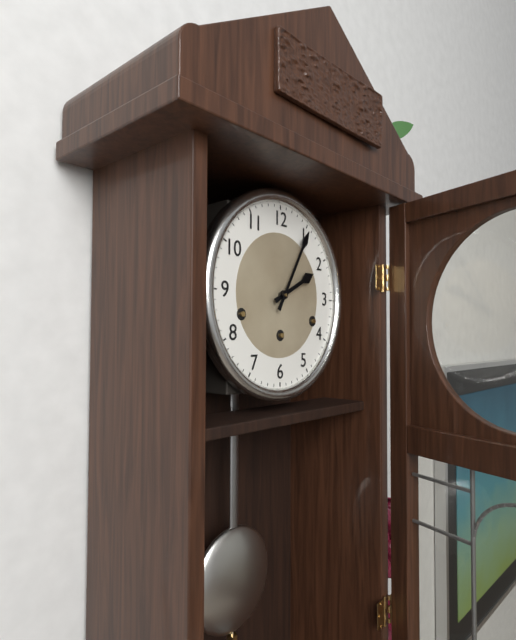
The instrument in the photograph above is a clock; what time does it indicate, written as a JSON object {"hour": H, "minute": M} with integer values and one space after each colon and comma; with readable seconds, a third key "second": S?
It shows {"hour": 2, "minute": 5}
